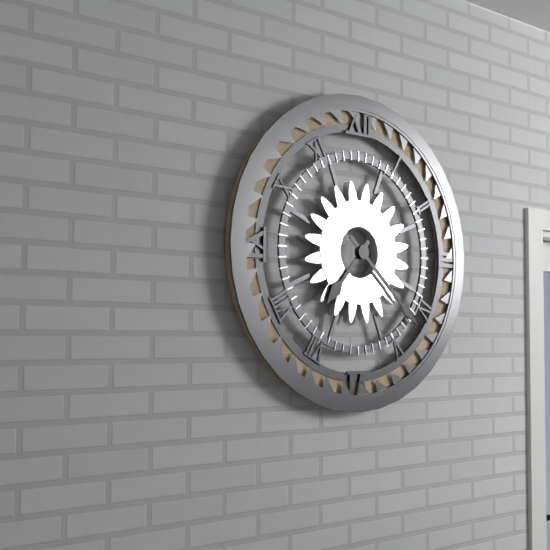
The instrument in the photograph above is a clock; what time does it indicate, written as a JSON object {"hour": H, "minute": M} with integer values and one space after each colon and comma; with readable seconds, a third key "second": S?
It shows {"hour": 7, "minute": 22}
